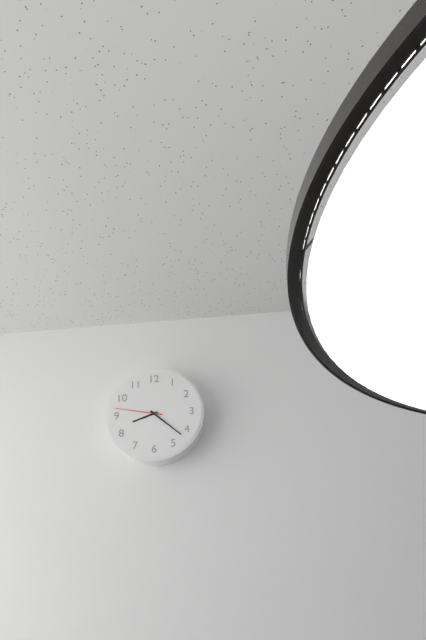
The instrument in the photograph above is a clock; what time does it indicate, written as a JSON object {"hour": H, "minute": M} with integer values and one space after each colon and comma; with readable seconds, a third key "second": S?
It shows {"hour": 8, "minute": 22}
